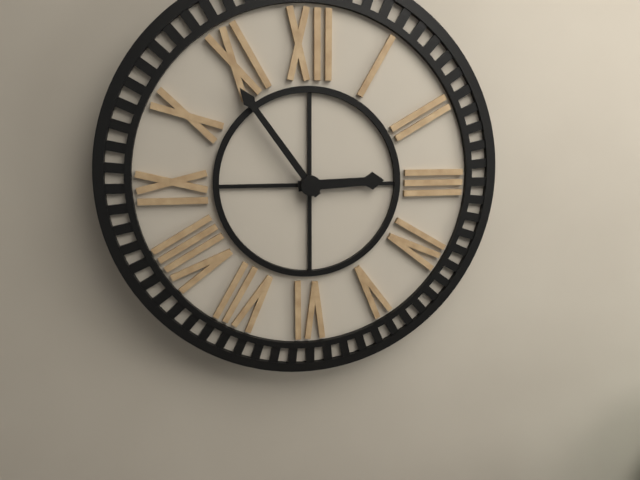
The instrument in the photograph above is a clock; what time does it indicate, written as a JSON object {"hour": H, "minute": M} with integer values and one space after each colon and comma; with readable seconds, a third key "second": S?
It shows {"hour": 2, "minute": 54}
